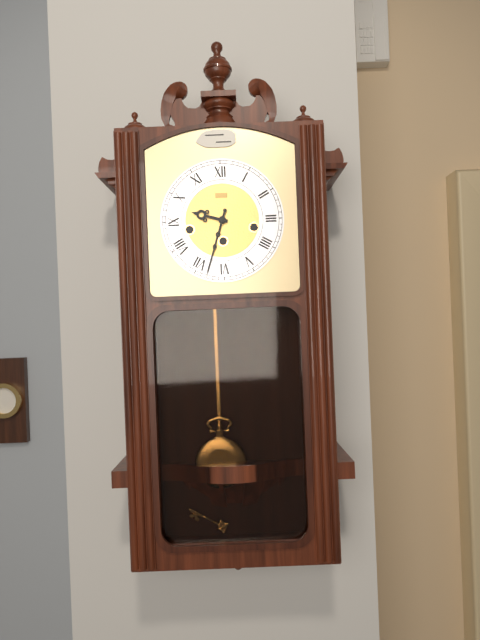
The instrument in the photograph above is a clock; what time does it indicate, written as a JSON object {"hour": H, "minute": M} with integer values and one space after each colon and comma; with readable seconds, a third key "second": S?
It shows {"hour": 9, "minute": 33}
